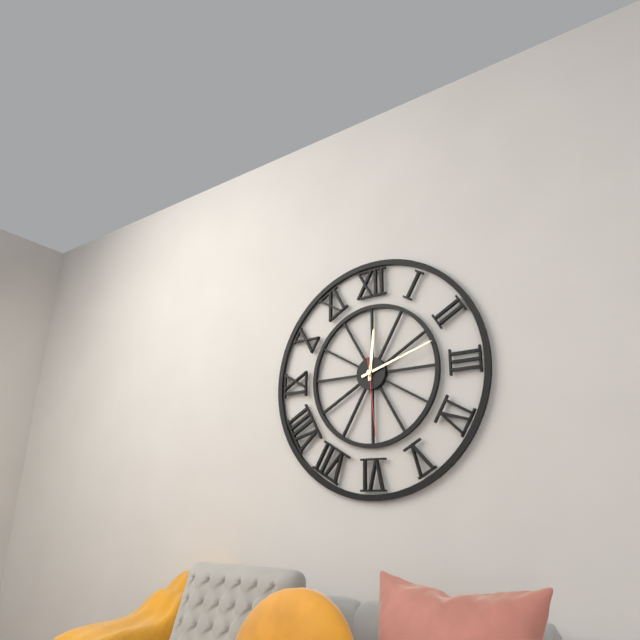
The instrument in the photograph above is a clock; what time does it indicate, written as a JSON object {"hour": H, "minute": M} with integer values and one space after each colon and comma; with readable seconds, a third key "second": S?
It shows {"hour": 12, "minute": 12, "second": 29}
